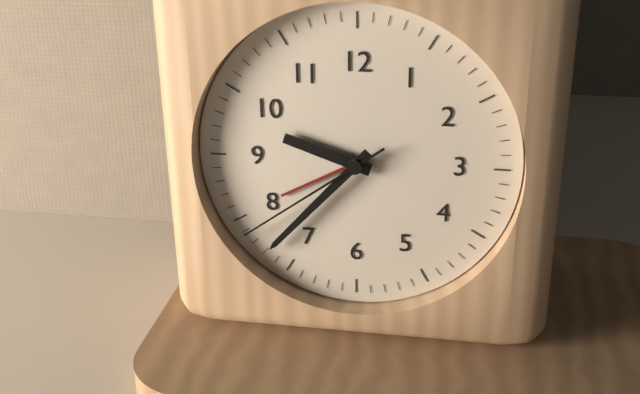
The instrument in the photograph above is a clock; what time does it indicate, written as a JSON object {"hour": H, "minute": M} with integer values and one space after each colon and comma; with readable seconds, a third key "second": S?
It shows {"hour": 9, "minute": 37, "second": 39}
